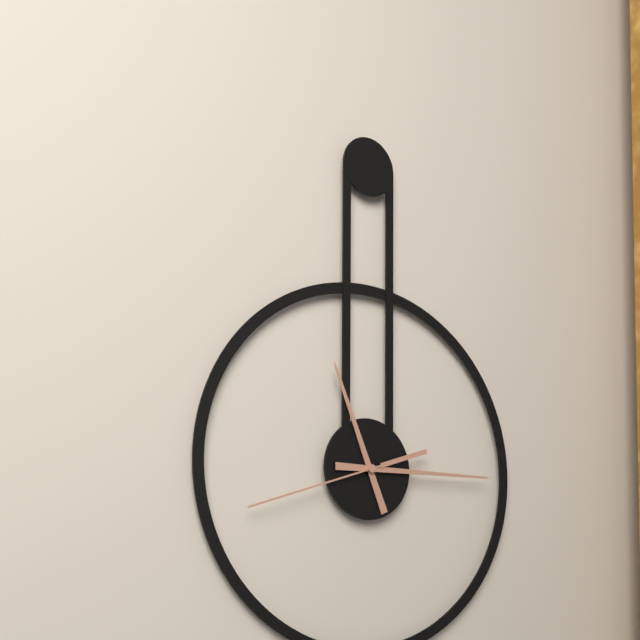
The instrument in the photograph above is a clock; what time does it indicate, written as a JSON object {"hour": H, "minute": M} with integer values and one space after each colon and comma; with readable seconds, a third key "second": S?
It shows {"hour": 11, "minute": 15, "second": 42}
